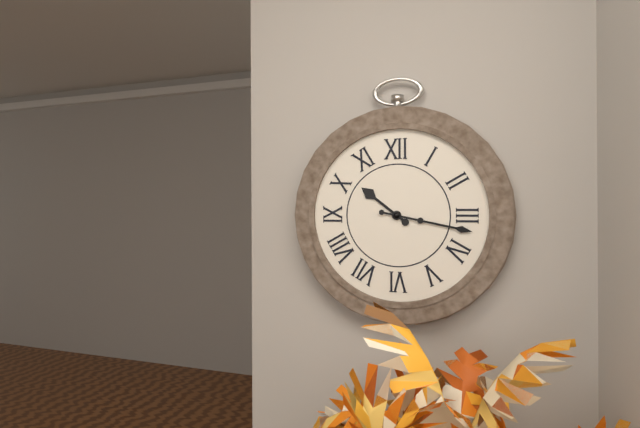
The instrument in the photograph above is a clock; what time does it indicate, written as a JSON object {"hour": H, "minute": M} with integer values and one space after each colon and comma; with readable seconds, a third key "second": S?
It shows {"hour": 10, "minute": 17}
